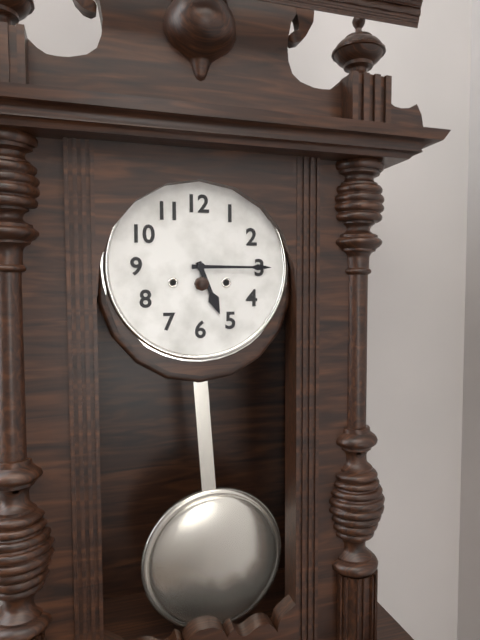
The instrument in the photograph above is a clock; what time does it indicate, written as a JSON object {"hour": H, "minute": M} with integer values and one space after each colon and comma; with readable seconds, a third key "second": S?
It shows {"hour": 5, "minute": 15}
